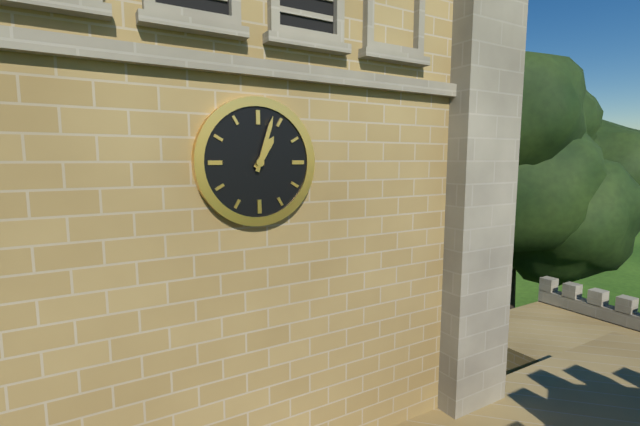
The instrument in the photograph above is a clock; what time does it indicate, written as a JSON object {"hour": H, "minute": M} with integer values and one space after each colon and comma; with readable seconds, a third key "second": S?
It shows {"hour": 1, "minute": 3}
